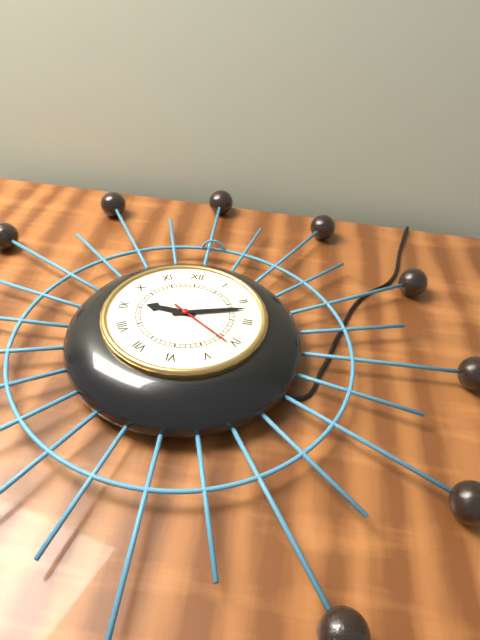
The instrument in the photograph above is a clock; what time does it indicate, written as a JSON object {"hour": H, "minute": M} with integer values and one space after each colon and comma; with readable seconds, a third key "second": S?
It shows {"hour": 9, "minute": 12, "second": 21}
